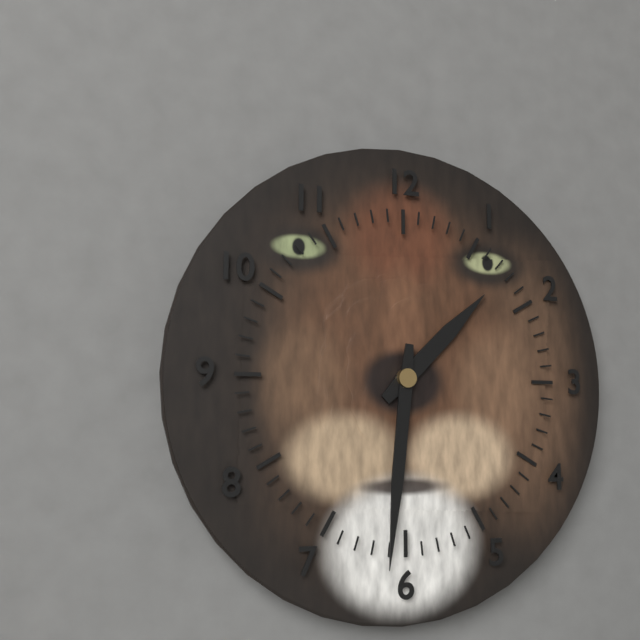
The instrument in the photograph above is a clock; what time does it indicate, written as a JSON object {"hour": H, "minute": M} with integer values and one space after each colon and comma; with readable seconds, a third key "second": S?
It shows {"hour": 1, "minute": 31}
